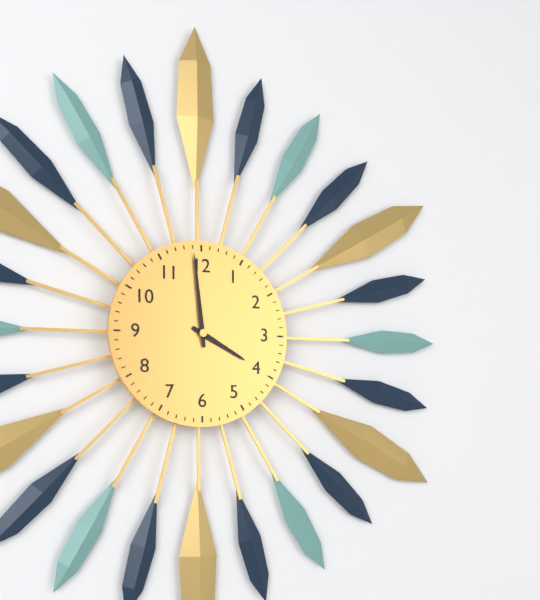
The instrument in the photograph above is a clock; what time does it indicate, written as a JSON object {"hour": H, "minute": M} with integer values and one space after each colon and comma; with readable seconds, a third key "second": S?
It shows {"hour": 3, "minute": 59}
